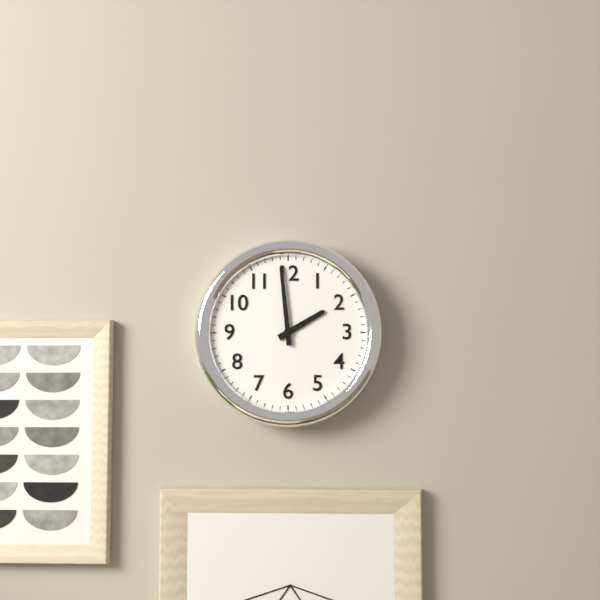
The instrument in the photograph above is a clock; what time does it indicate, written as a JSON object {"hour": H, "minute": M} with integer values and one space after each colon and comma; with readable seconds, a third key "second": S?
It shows {"hour": 1, "minute": 59}
